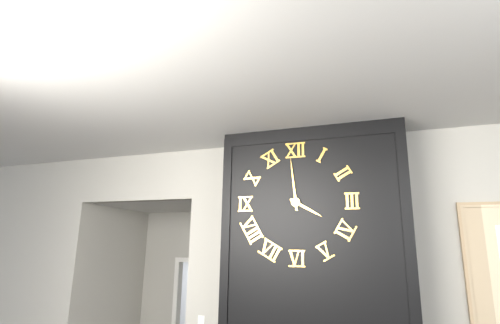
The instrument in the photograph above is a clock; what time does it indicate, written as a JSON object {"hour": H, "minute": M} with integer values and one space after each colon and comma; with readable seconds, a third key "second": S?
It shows {"hour": 3, "minute": 59}
